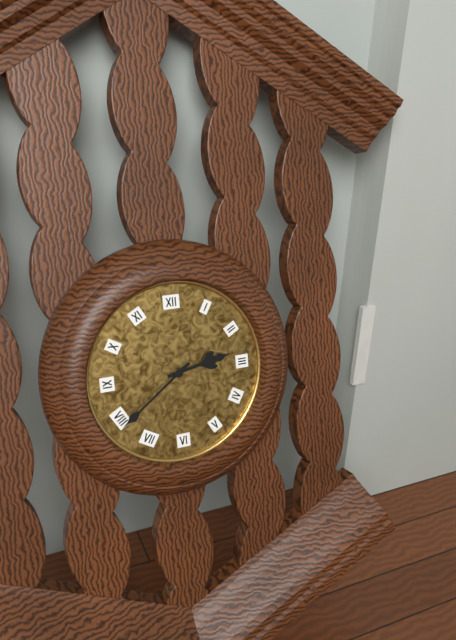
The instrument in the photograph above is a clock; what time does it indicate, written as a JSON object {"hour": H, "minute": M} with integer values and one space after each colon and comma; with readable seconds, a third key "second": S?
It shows {"hour": 2, "minute": 39}
